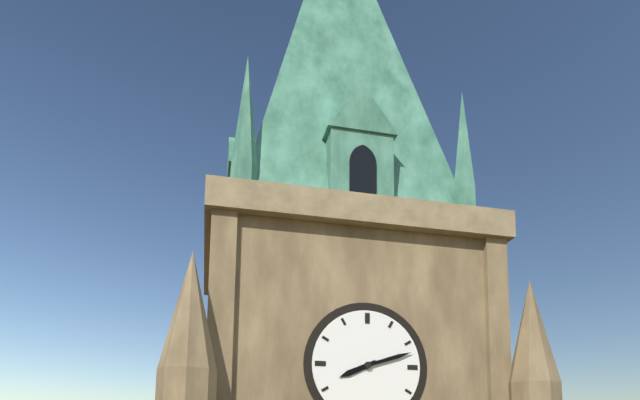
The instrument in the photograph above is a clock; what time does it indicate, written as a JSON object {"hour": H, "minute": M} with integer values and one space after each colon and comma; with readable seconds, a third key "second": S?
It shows {"hour": 8, "minute": 12}
